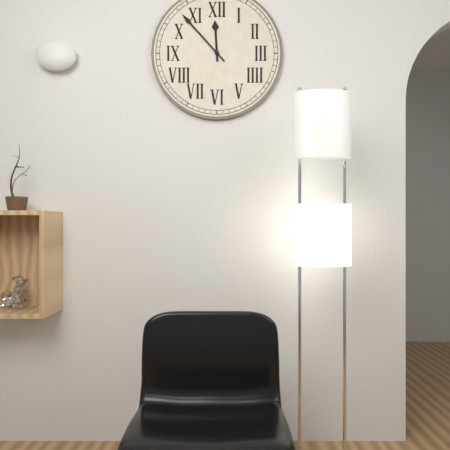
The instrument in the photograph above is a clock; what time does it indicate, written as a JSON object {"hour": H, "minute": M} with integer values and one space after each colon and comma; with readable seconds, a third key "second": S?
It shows {"hour": 11, "minute": 53}
